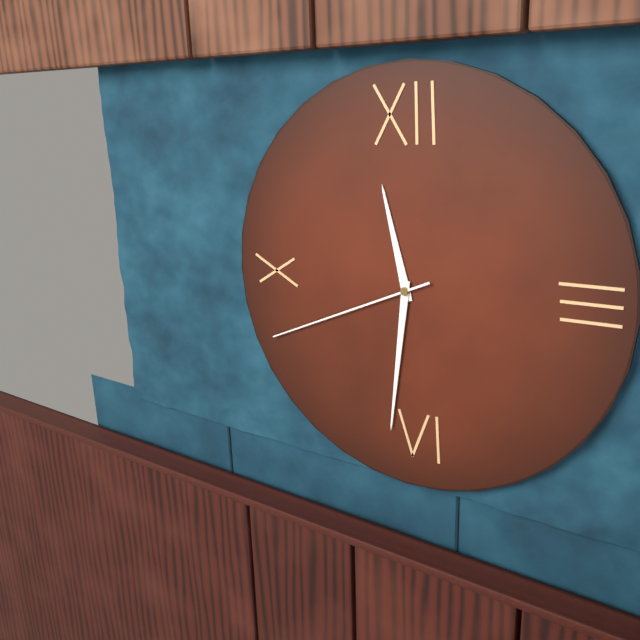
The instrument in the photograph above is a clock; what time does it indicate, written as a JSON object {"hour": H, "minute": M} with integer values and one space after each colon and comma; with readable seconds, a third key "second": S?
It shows {"hour": 11, "minute": 31, "second": 41}
